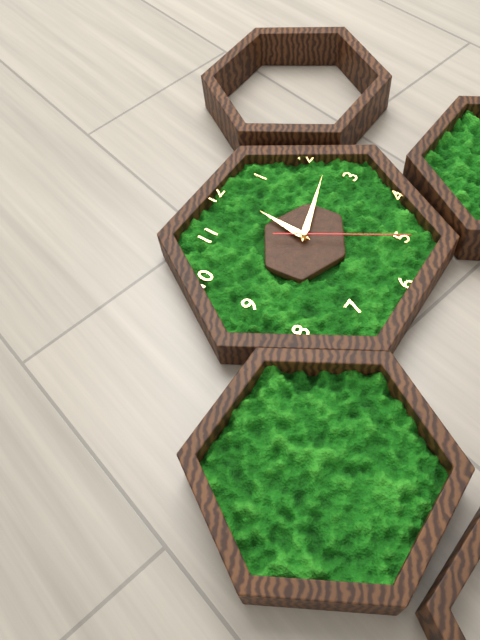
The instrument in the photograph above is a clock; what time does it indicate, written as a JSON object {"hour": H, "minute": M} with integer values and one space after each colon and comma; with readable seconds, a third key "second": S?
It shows {"hour": 12, "minute": 12, "second": 25}
